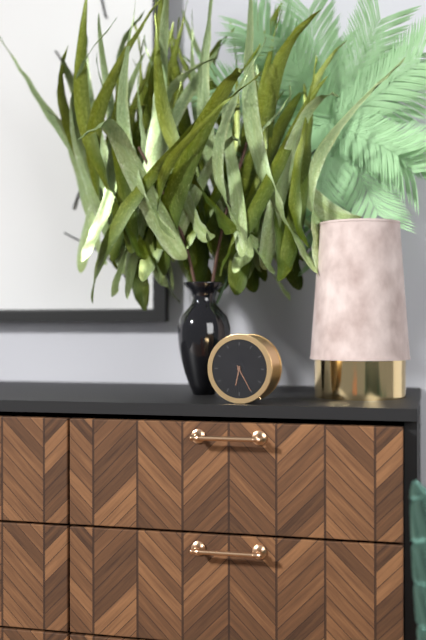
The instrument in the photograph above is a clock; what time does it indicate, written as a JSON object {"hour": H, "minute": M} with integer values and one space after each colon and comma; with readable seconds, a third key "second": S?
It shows {"hour": 6, "minute": 25}
